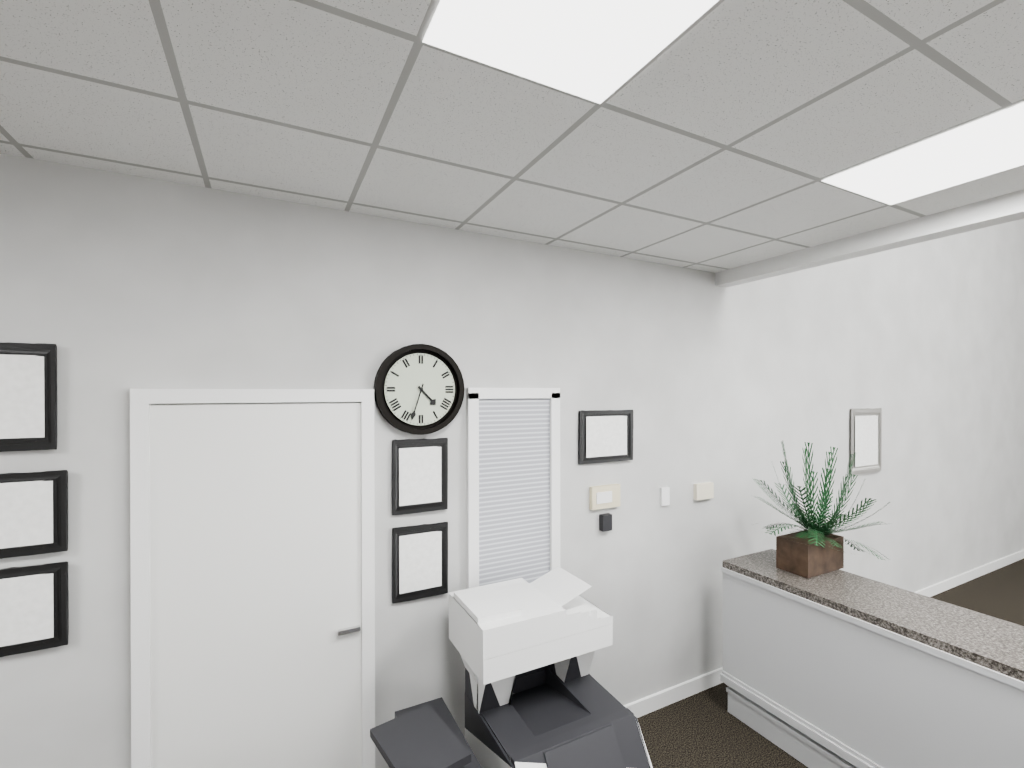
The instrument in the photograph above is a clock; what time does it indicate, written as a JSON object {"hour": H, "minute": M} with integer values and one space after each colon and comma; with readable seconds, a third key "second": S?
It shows {"hour": 4, "minute": 33}
